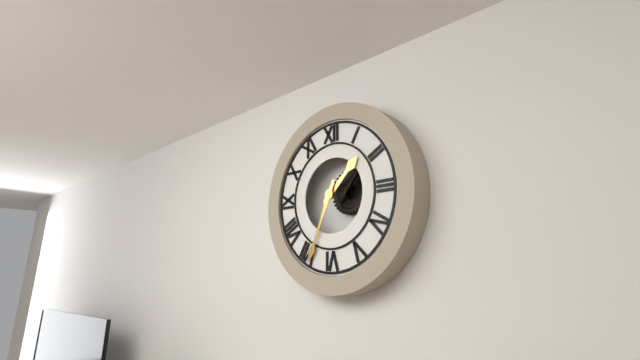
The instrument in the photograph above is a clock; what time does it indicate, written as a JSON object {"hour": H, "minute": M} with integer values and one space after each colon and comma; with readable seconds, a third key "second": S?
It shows {"hour": 1, "minute": 34}
